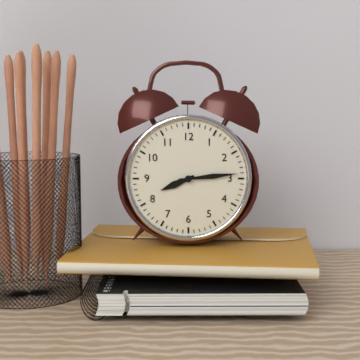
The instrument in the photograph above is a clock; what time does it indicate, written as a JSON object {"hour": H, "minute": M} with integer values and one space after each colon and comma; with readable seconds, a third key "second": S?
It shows {"hour": 8, "minute": 14}
